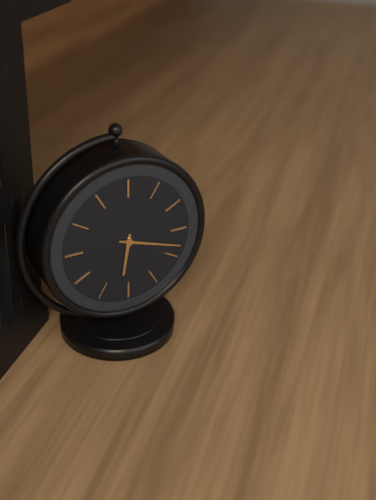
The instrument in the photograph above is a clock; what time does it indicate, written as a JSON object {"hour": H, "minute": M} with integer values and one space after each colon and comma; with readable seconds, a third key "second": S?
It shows {"hour": 6, "minute": 18}
